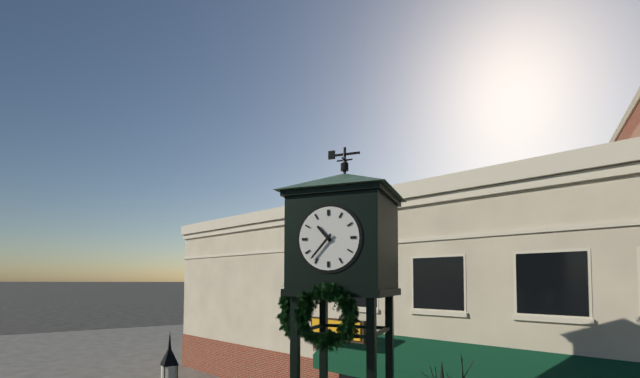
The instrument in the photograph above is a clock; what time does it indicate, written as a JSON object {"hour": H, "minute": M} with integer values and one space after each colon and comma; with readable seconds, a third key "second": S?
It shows {"hour": 10, "minute": 37}
